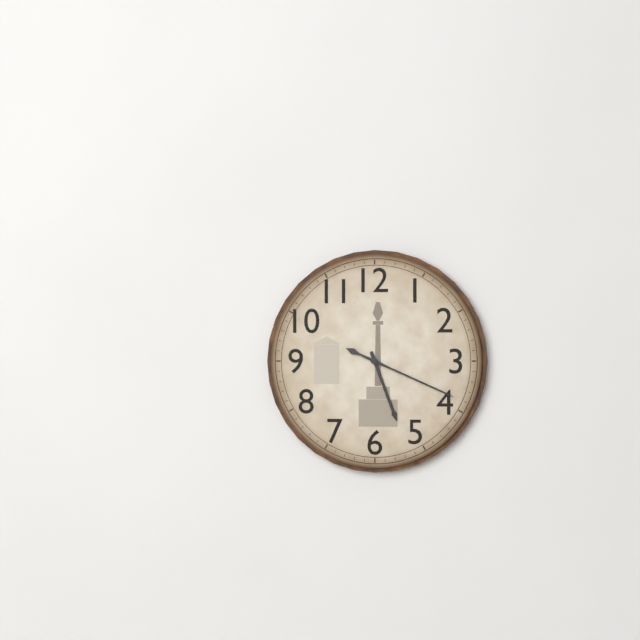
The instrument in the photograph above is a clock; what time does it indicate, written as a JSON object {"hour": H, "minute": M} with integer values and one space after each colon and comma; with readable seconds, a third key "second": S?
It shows {"hour": 5, "minute": 19}
